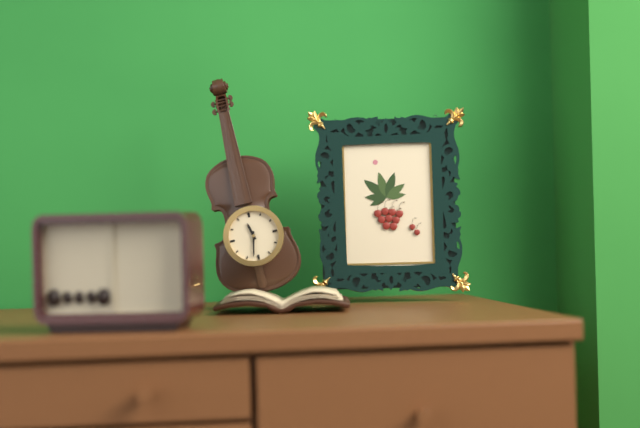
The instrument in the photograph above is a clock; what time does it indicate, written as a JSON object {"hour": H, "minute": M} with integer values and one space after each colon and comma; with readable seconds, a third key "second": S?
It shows {"hour": 11, "minute": 32}
